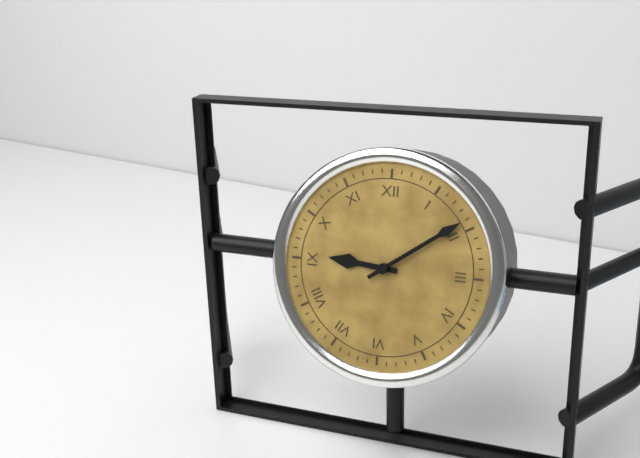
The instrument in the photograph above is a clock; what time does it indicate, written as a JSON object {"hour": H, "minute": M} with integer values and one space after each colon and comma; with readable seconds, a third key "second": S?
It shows {"hour": 9, "minute": 9}
